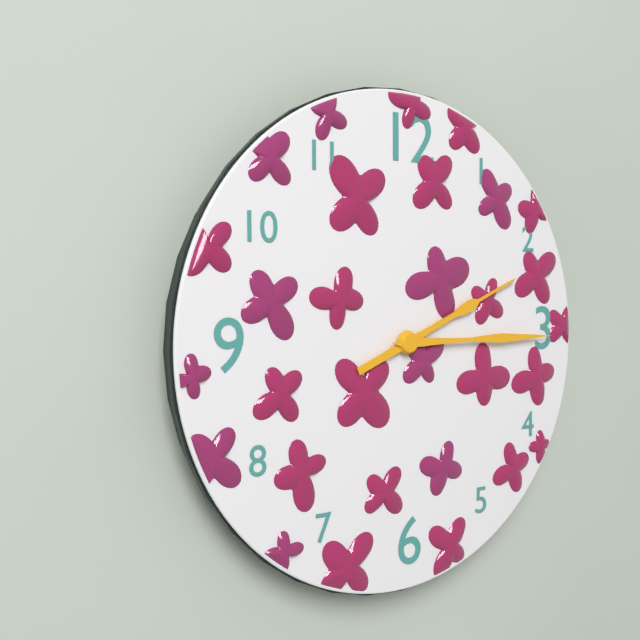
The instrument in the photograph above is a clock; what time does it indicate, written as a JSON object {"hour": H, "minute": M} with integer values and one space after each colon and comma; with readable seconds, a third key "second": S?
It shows {"hour": 2, "minute": 15}
